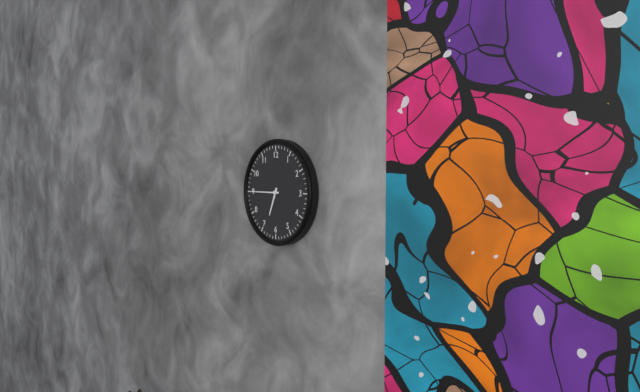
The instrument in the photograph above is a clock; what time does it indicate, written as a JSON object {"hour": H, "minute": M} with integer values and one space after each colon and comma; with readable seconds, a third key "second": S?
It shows {"hour": 6, "minute": 45}
